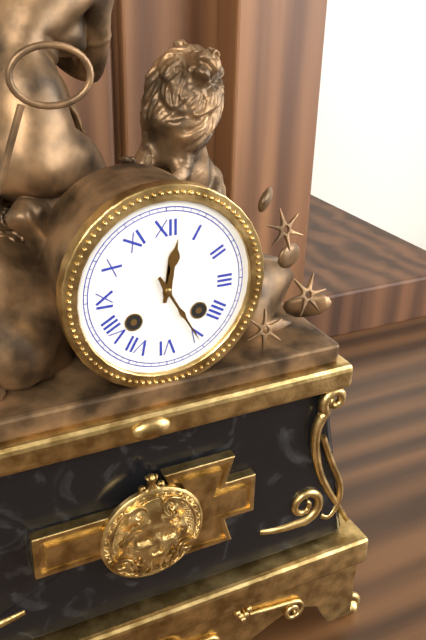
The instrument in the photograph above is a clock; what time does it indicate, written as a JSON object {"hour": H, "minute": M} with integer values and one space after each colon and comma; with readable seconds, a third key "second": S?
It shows {"hour": 12, "minute": 25}
